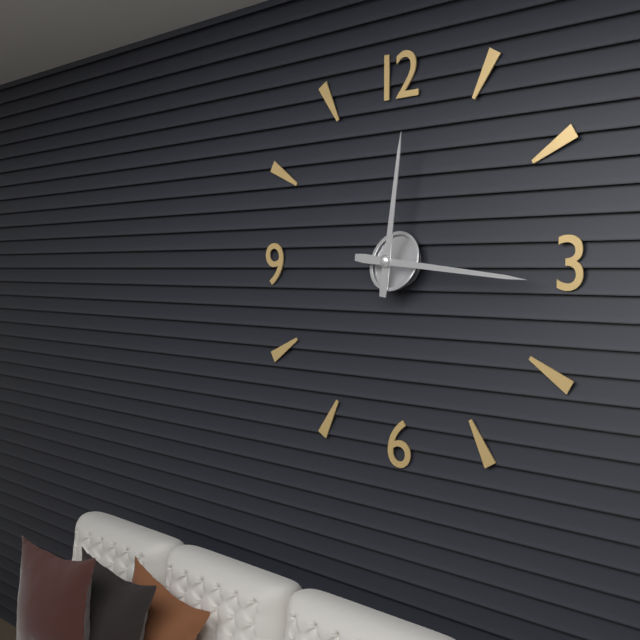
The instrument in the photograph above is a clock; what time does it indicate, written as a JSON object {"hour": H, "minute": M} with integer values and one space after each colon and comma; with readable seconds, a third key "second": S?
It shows {"hour": 12, "minute": 16}
